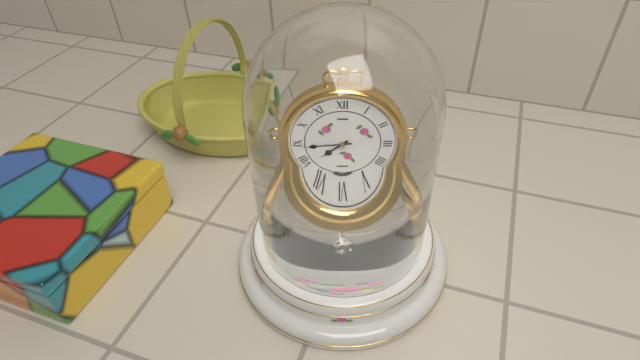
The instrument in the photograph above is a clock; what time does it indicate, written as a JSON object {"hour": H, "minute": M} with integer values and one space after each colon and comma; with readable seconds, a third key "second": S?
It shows {"hour": 7, "minute": 44}
